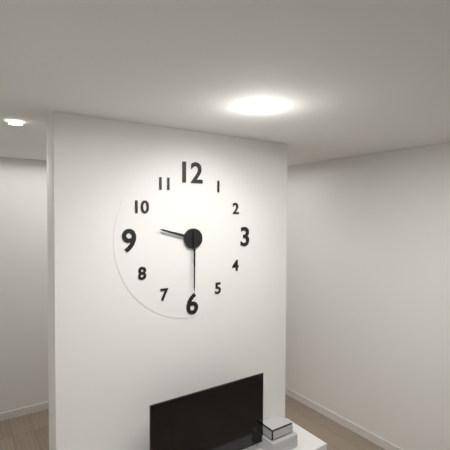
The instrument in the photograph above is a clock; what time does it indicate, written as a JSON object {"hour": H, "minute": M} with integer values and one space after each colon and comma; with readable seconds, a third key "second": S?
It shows {"hour": 9, "minute": 30}
